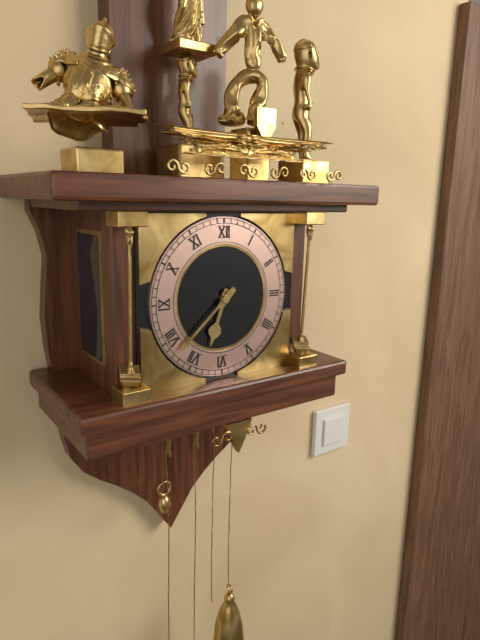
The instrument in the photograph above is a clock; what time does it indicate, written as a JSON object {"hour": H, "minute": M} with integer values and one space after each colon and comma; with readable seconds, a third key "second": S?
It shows {"hour": 6, "minute": 38}
